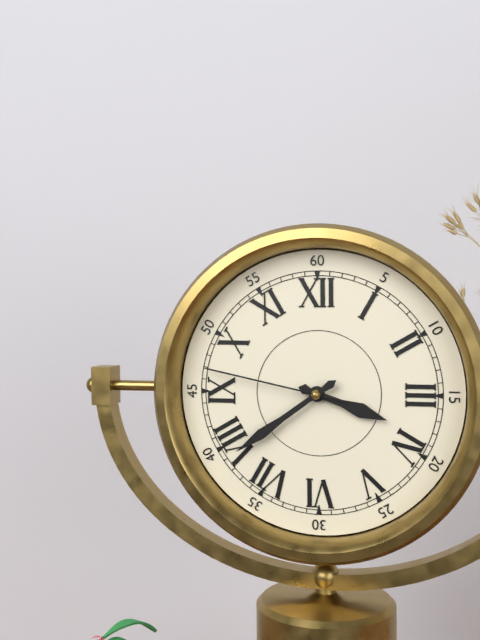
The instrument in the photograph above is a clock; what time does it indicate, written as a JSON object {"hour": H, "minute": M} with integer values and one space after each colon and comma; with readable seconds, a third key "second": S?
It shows {"hour": 3, "minute": 39, "second": 47}
